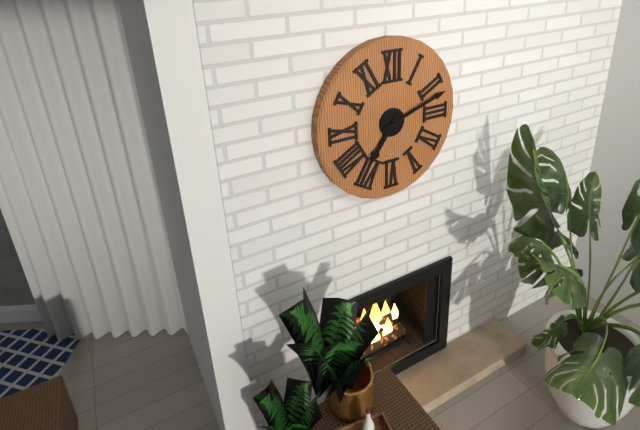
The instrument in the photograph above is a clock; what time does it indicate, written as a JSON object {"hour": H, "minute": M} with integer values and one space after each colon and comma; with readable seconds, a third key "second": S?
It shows {"hour": 7, "minute": 12}
